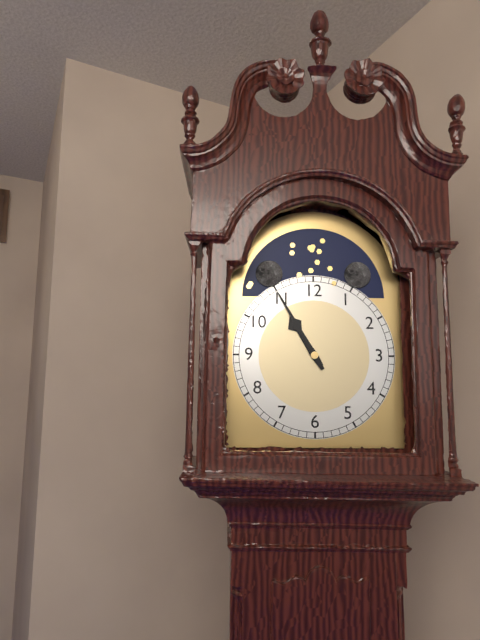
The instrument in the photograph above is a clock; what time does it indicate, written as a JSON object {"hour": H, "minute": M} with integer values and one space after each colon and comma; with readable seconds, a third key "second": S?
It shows {"hour": 10, "minute": 55}
